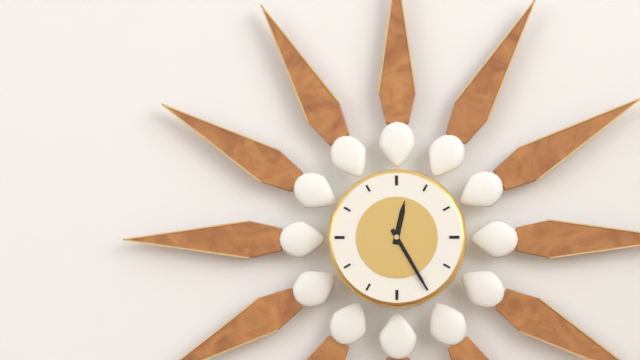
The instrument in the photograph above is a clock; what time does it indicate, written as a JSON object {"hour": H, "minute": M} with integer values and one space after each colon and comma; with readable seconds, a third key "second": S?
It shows {"hour": 12, "minute": 25}
